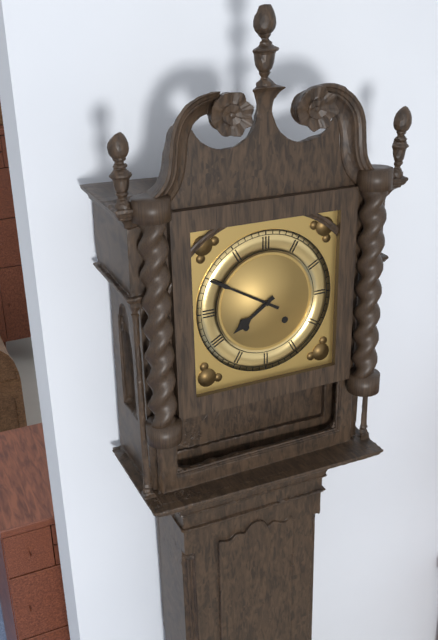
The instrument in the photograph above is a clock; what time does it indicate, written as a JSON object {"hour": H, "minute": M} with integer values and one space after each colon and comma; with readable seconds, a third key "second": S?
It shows {"hour": 7, "minute": 50}
